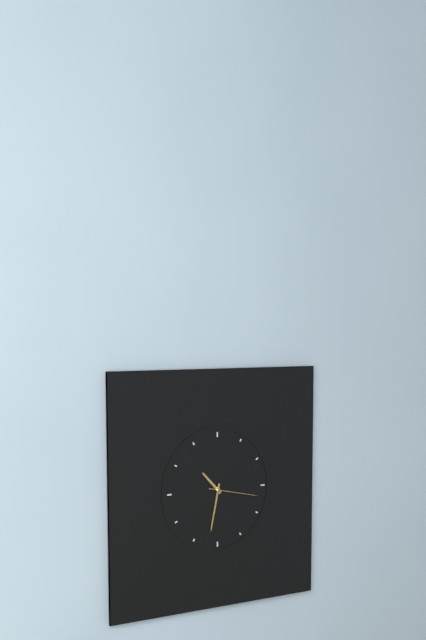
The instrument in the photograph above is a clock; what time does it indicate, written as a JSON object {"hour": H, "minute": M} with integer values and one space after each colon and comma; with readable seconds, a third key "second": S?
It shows {"hour": 10, "minute": 32}
